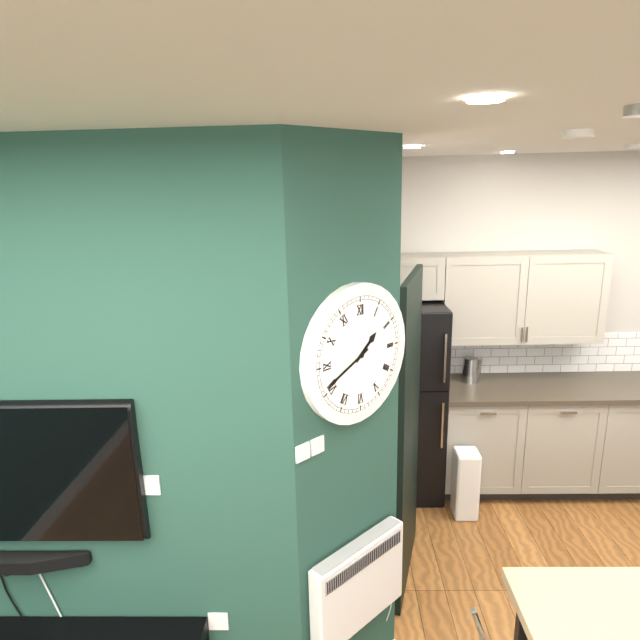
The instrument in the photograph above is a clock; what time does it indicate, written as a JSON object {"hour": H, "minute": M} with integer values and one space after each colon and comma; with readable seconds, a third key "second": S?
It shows {"hour": 1, "minute": 41}
